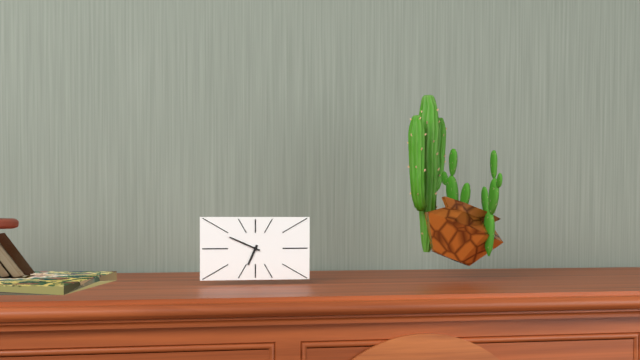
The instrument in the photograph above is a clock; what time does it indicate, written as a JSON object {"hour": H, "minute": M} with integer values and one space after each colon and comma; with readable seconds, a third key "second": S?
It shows {"hour": 6, "minute": 49}
